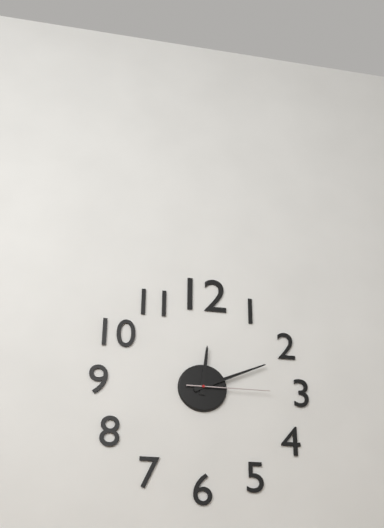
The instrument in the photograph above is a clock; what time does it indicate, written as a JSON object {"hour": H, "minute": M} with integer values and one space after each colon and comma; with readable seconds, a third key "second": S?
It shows {"hour": 12, "minute": 11, "second": 15}
